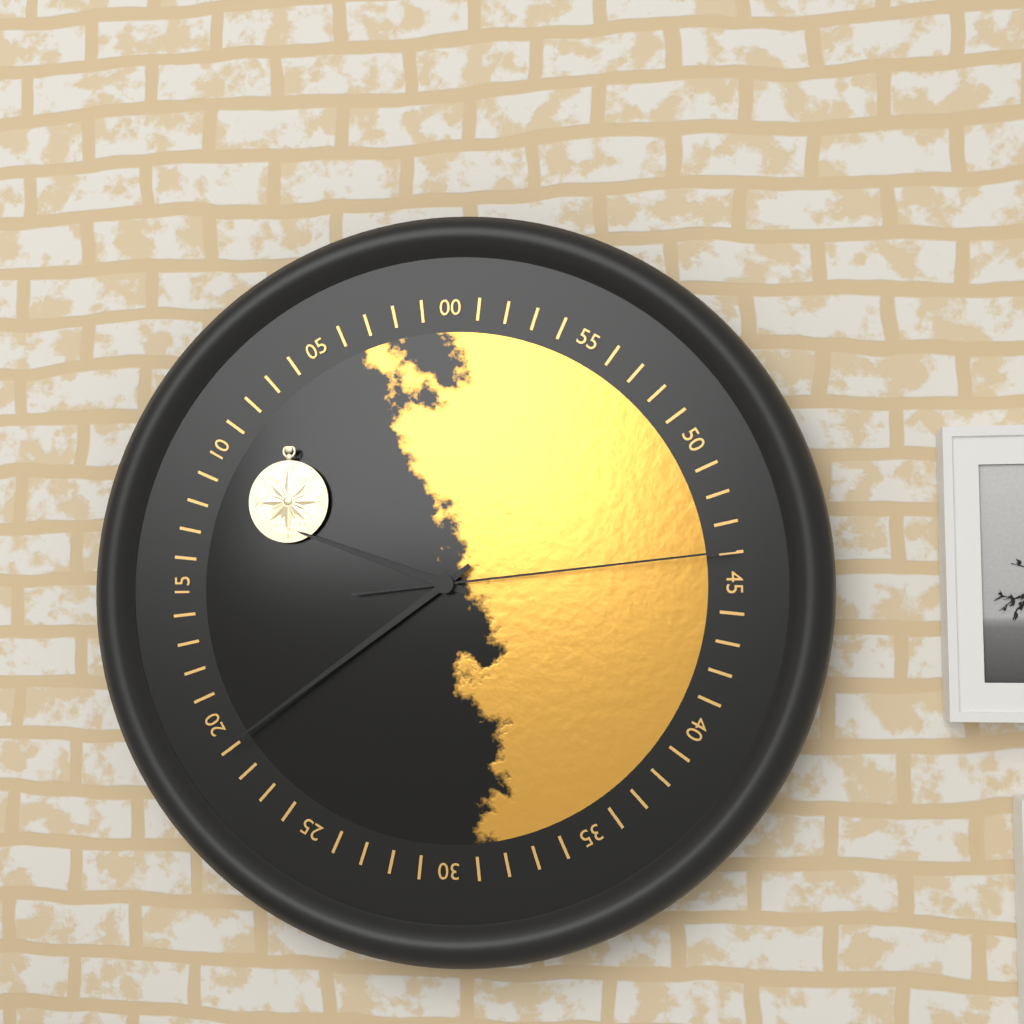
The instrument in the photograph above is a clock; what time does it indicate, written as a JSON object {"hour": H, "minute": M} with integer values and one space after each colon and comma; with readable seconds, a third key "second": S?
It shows {"hour": 9, "minute": 39, "second": 14}
